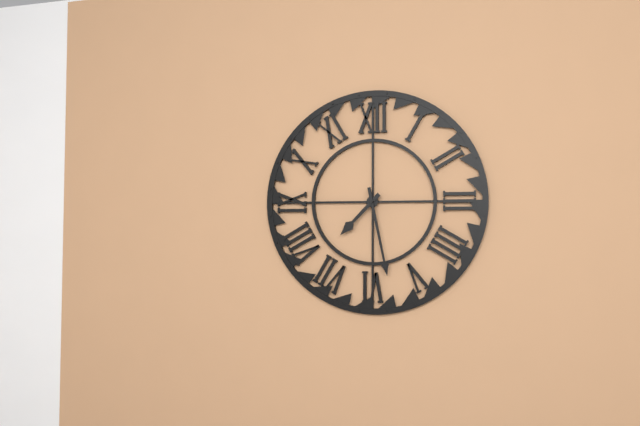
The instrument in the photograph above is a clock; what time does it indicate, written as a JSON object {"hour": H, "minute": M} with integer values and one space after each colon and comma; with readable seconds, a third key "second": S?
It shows {"hour": 7, "minute": 28}
